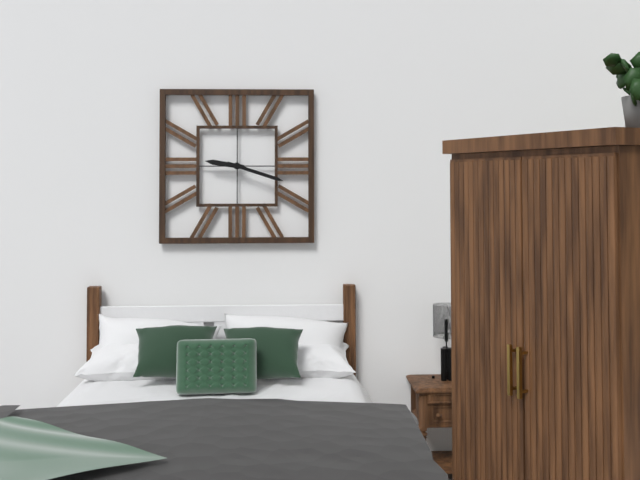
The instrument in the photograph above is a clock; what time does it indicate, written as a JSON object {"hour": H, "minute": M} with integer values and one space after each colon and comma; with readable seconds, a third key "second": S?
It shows {"hour": 9, "minute": 18}
